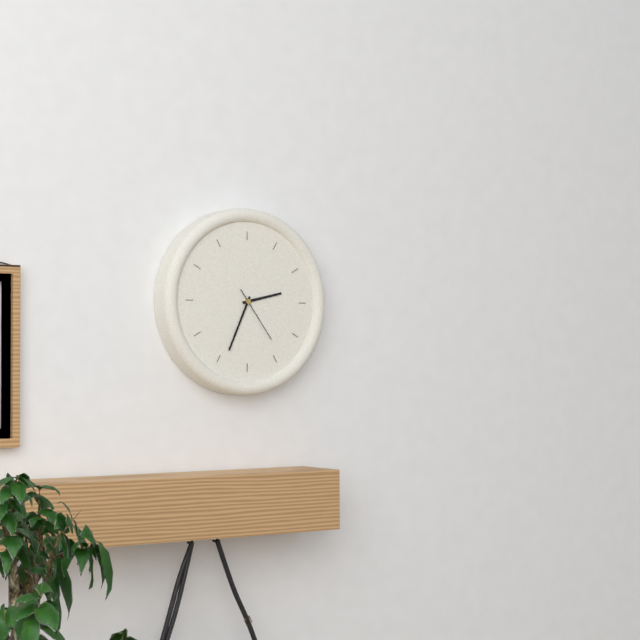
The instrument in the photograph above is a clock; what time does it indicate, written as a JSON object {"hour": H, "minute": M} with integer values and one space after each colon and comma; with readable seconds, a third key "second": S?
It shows {"hour": 2, "minute": 34, "second": 24}
